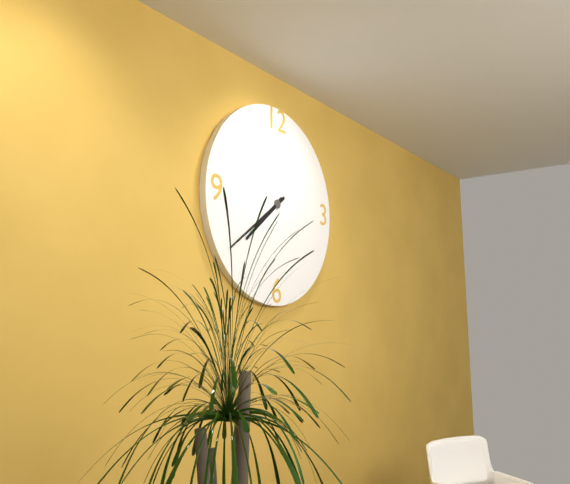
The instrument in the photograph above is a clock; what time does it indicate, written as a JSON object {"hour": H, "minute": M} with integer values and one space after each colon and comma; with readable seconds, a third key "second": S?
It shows {"hour": 7, "minute": 39}
